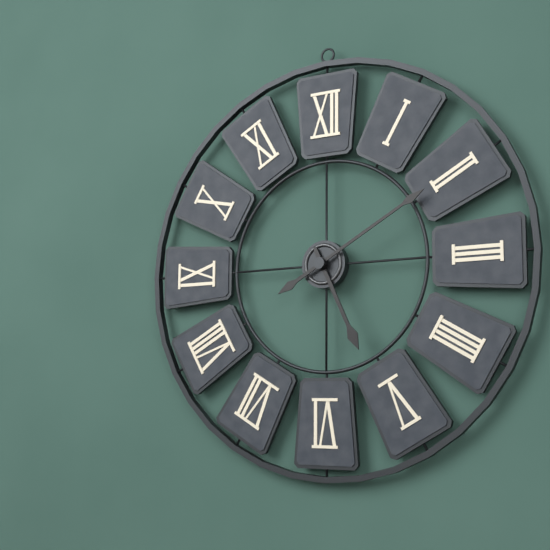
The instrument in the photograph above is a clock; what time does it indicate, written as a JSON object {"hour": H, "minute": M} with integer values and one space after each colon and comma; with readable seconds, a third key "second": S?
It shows {"hour": 5, "minute": 10}
